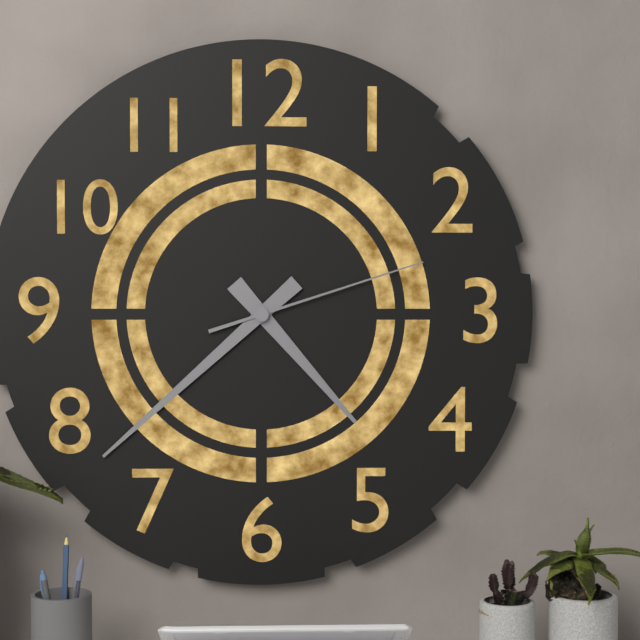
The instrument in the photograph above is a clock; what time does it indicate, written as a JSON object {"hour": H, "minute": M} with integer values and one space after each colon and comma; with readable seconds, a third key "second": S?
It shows {"hour": 4, "minute": 38, "second": 12}
